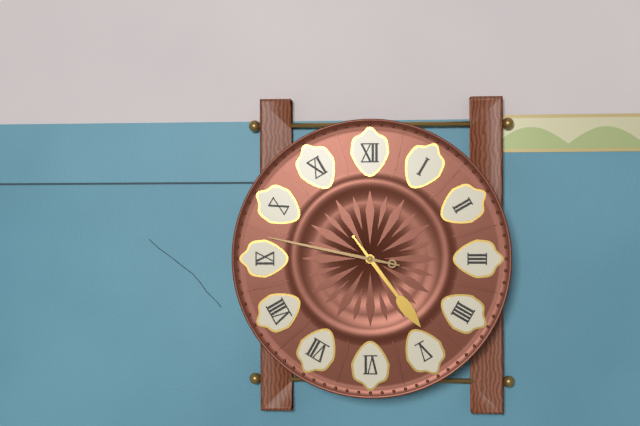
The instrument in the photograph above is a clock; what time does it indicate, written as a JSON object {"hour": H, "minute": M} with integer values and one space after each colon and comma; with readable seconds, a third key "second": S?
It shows {"hour": 4, "minute": 47}
